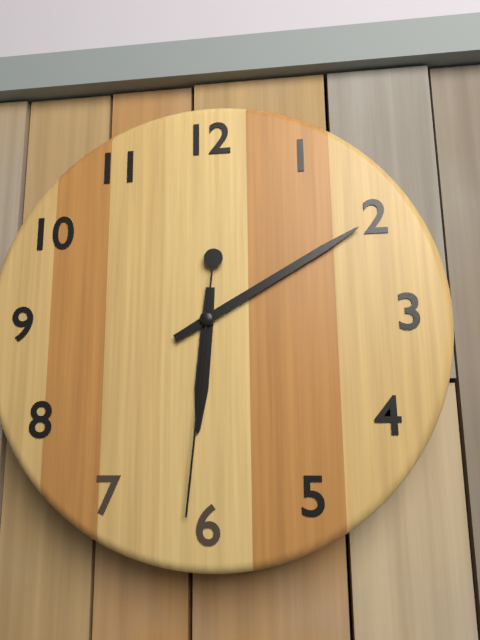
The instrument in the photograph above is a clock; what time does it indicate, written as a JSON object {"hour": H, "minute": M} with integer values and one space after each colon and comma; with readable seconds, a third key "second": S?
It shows {"hour": 6, "minute": 10, "second": 31}
